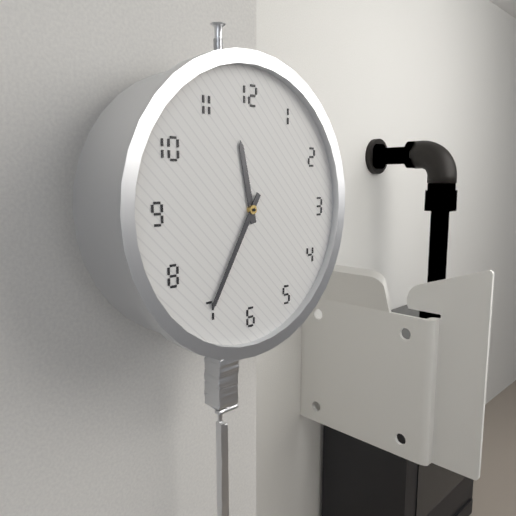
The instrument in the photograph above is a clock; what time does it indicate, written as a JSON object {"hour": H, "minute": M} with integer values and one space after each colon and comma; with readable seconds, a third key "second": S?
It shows {"hour": 11, "minute": 35}
